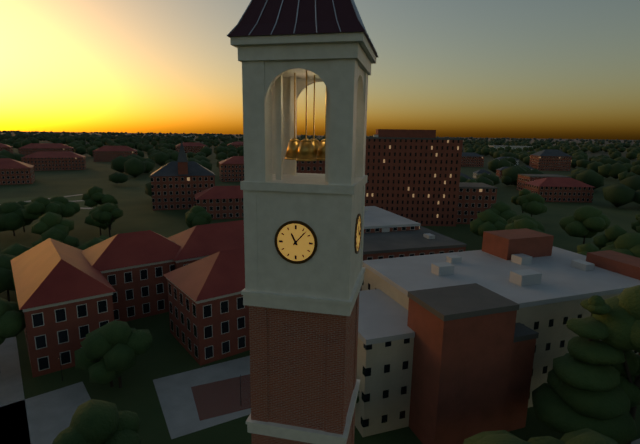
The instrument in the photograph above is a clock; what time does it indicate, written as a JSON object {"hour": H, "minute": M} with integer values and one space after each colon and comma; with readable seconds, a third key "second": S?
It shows {"hour": 11, "minute": 7}
